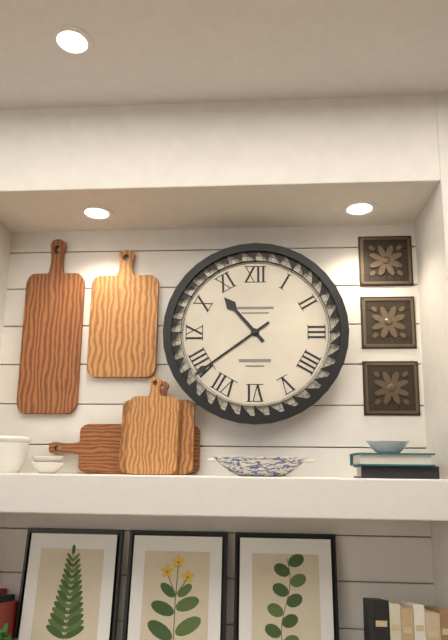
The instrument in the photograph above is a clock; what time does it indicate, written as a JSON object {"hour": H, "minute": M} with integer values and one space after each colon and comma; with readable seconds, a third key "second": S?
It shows {"hour": 10, "minute": 39}
